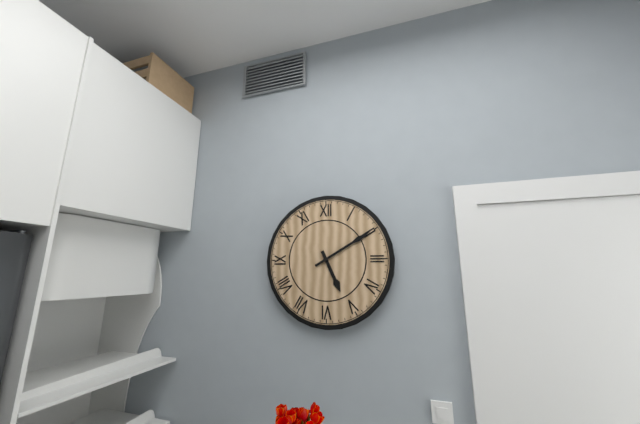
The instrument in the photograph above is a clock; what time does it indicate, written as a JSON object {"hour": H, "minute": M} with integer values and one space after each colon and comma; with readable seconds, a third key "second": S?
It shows {"hour": 5, "minute": 10}
